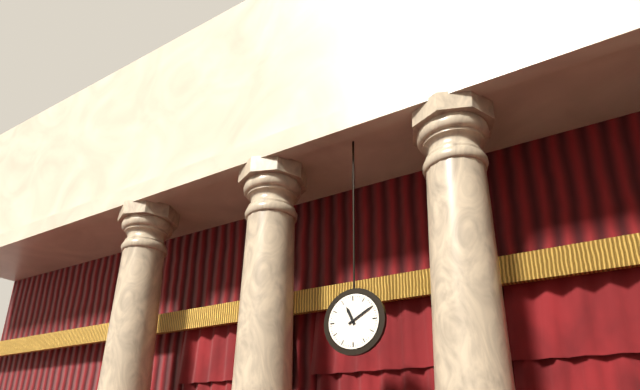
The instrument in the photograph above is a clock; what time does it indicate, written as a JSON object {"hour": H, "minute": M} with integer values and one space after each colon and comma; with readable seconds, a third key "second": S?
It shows {"hour": 11, "minute": 10}
